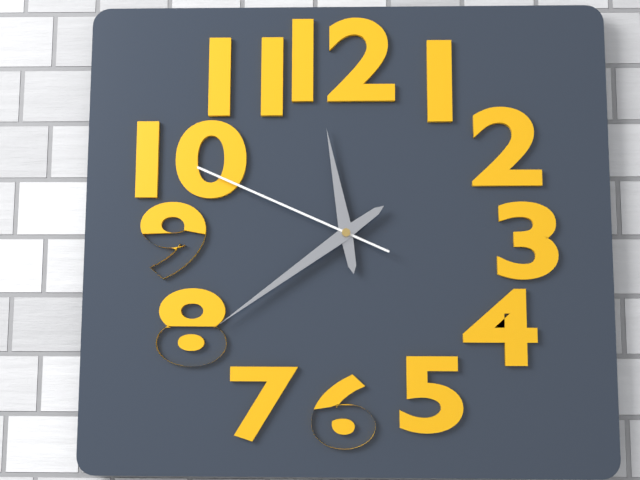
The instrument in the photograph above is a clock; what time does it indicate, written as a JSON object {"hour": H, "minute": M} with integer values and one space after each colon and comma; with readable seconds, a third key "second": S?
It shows {"hour": 11, "minute": 39, "second": 49}
